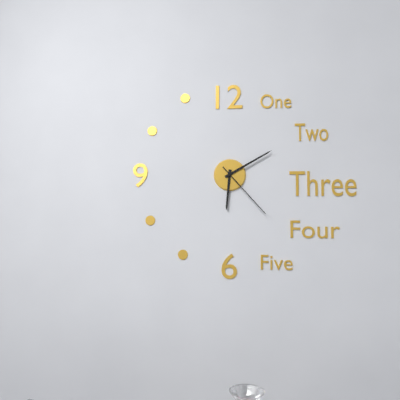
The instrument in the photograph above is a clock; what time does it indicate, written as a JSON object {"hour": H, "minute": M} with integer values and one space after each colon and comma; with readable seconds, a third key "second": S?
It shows {"hour": 6, "minute": 10, "second": 23}
